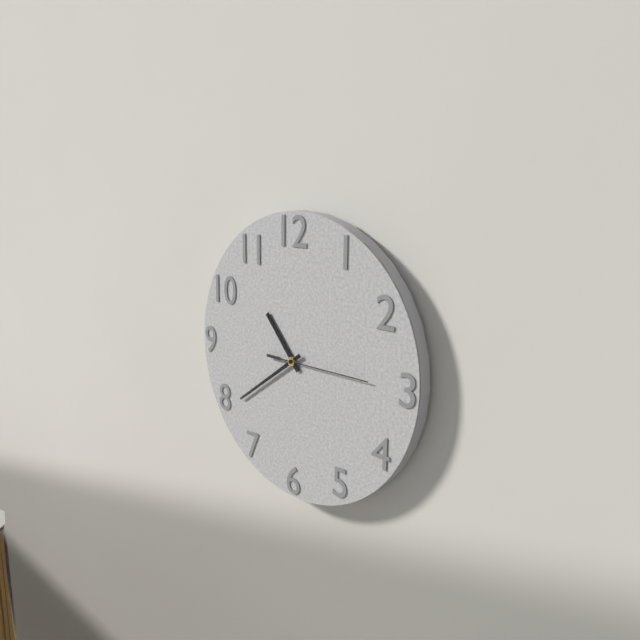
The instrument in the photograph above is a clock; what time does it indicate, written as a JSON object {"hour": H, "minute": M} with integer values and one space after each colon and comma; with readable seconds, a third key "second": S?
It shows {"hour": 10, "minute": 39, "second": 15}
